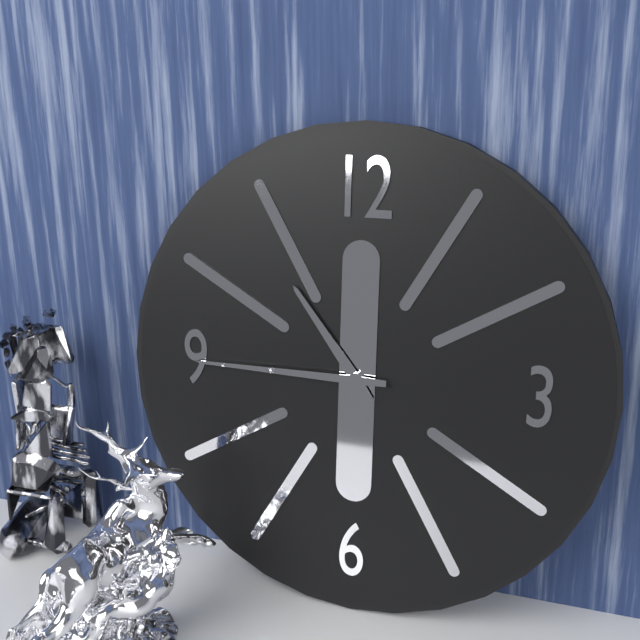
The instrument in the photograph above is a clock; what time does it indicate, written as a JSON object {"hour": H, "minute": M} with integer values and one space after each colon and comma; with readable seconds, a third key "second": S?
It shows {"hour": 10, "minute": 45}
